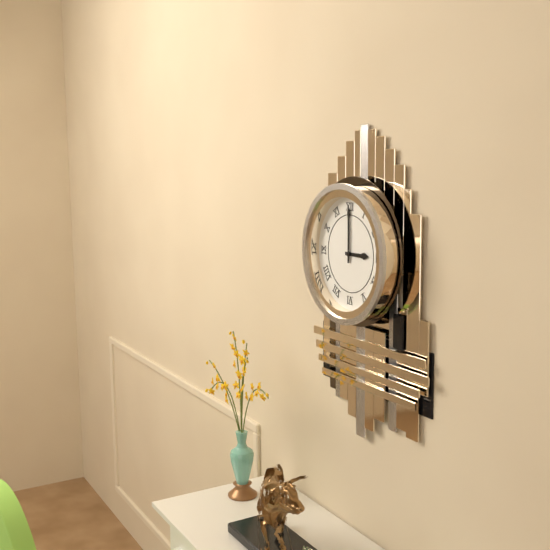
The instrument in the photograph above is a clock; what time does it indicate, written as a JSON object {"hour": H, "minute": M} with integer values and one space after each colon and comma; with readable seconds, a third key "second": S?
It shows {"hour": 3, "minute": 0}
